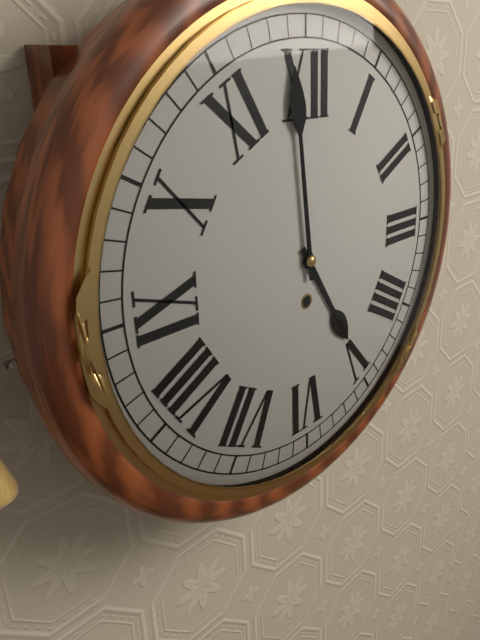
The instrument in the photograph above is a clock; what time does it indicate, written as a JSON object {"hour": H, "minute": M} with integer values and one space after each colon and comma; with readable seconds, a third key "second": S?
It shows {"hour": 4, "minute": 59}
